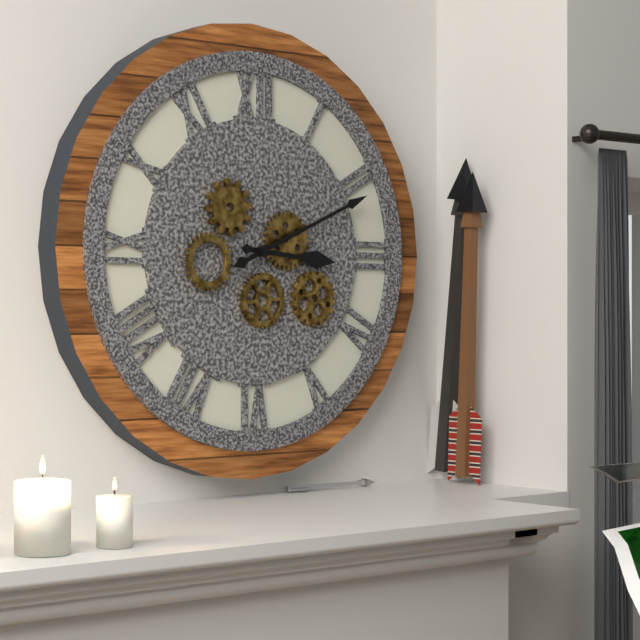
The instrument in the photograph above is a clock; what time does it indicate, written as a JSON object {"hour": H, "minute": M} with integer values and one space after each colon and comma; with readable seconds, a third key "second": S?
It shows {"hour": 3, "minute": 11}
